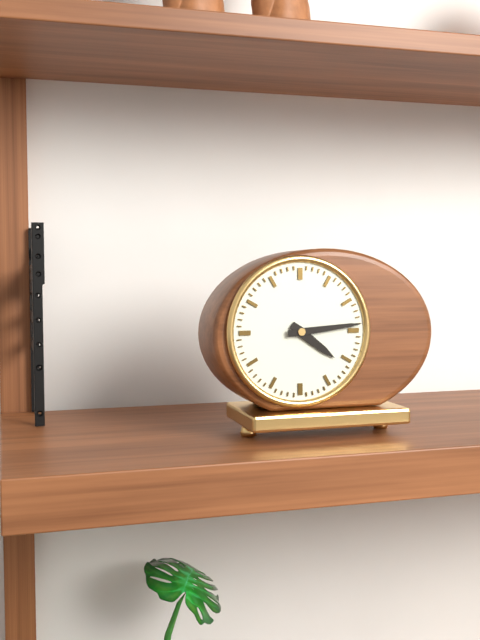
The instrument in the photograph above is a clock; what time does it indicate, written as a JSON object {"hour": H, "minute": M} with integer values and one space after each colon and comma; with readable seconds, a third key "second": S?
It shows {"hour": 4, "minute": 14}
